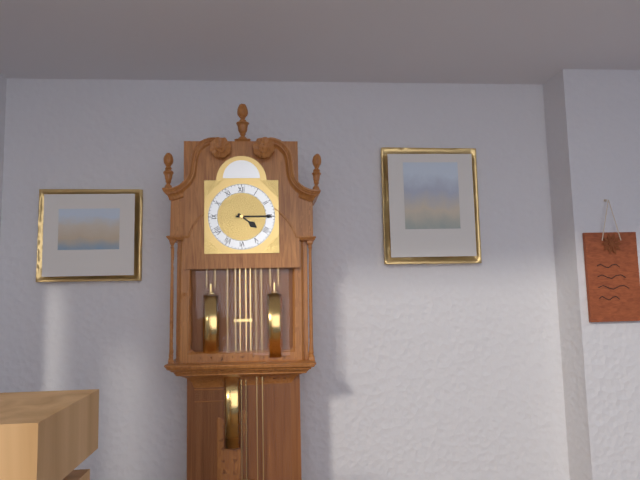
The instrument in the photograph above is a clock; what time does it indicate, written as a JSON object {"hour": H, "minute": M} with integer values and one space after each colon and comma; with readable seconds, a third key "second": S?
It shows {"hour": 4, "minute": 15}
